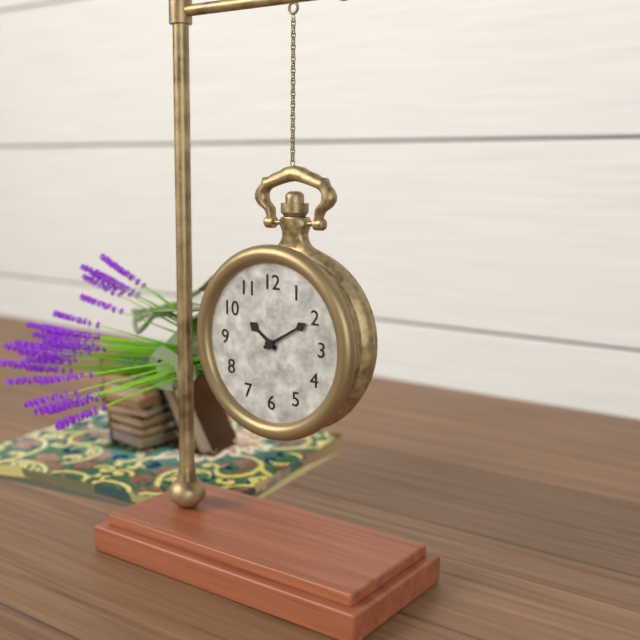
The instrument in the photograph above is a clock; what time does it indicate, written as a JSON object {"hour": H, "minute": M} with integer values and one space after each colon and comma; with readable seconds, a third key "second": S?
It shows {"hour": 10, "minute": 10}
